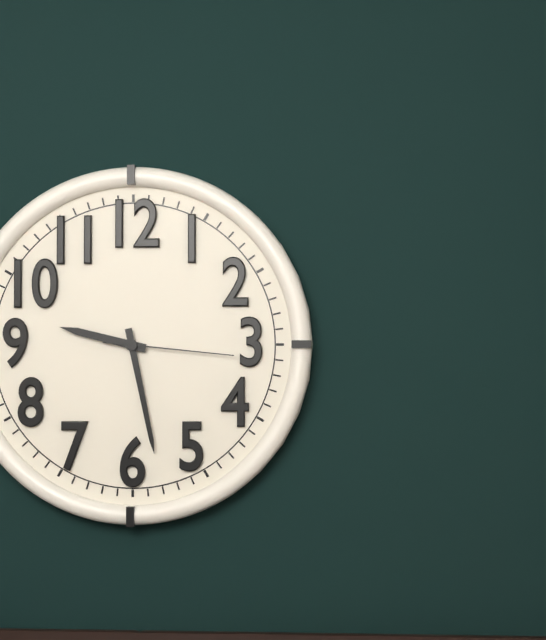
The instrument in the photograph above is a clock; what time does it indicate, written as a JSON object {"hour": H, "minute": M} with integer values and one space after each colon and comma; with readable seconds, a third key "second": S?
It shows {"hour": 9, "minute": 28, "second": 16}
